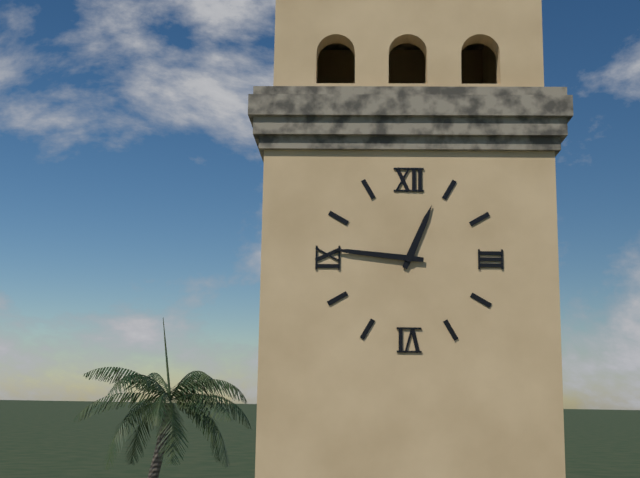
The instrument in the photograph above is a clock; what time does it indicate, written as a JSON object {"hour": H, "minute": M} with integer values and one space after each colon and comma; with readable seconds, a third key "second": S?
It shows {"hour": 12, "minute": 46}
